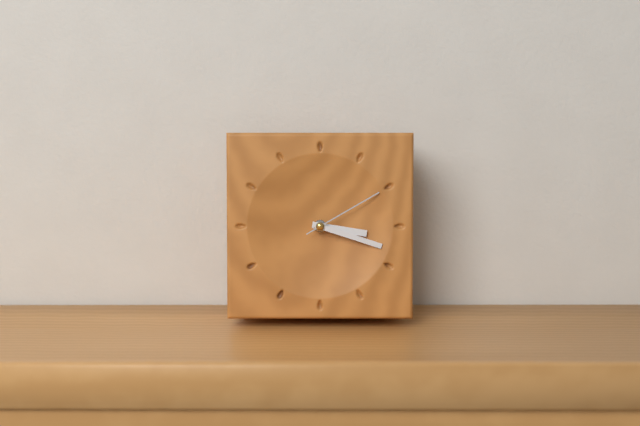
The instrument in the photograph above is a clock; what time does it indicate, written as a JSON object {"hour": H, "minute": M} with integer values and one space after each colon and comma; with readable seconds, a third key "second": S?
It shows {"hour": 3, "minute": 18, "second": 10}
